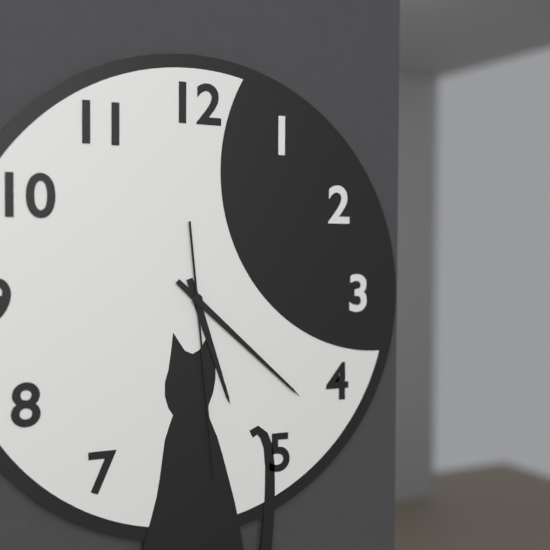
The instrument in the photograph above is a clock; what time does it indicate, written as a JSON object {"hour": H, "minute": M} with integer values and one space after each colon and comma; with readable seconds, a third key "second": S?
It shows {"hour": 5, "minute": 22, "second": 29}
